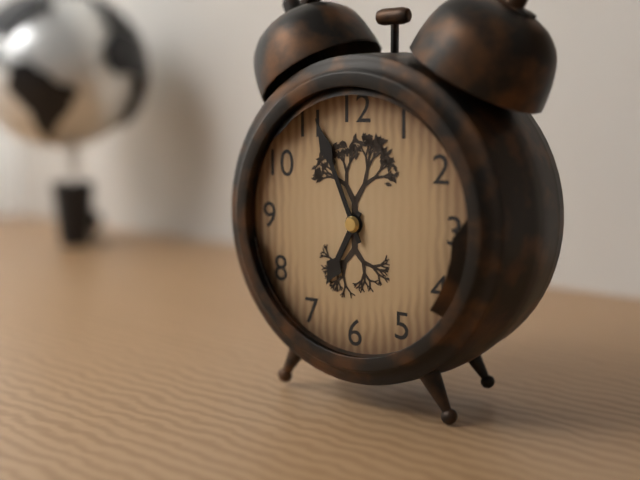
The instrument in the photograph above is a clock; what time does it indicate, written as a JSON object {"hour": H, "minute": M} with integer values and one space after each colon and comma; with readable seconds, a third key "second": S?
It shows {"hour": 6, "minute": 56}
